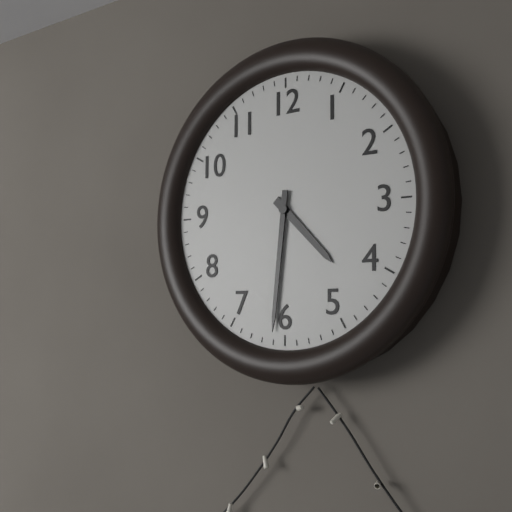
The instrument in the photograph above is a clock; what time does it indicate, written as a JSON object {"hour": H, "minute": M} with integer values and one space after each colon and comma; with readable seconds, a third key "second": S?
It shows {"hour": 4, "minute": 31}
